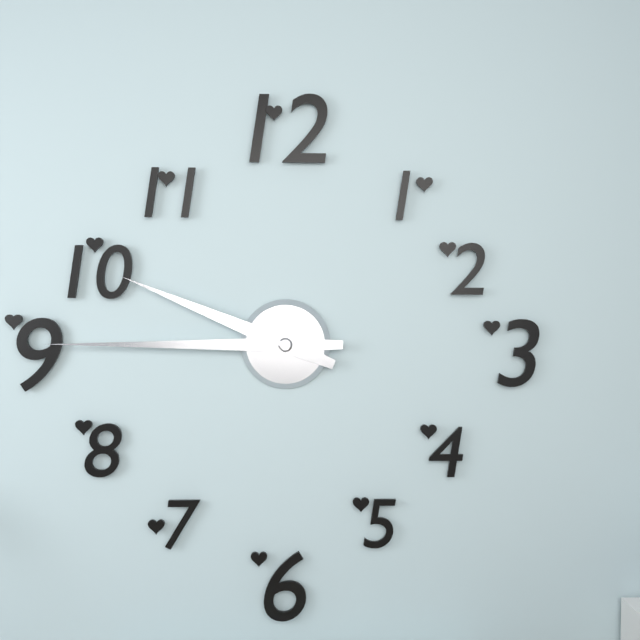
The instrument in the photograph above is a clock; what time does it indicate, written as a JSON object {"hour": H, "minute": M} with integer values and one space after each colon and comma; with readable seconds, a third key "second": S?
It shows {"hour": 9, "minute": 45}
